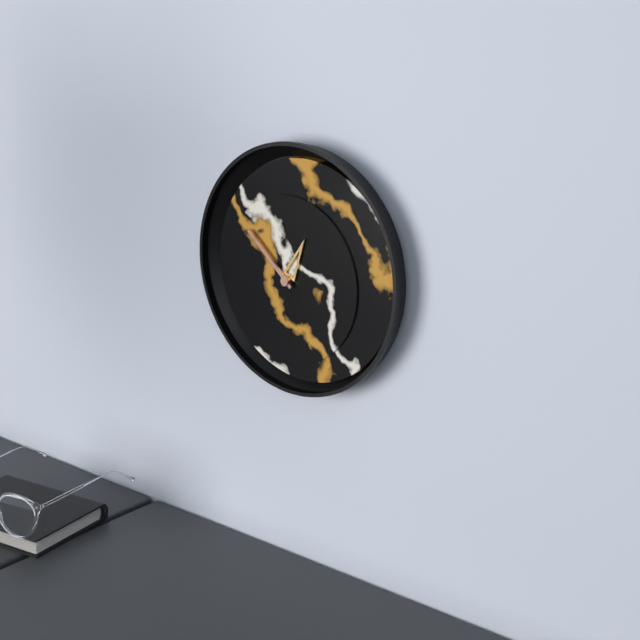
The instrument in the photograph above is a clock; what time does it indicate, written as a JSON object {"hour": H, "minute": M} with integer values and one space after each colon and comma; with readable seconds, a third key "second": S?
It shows {"hour": 12, "minute": 52}
